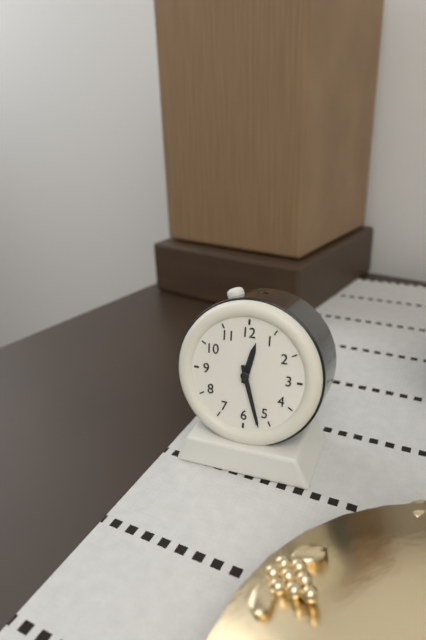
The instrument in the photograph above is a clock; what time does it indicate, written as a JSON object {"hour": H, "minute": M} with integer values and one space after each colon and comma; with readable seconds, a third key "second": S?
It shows {"hour": 12, "minute": 27}
